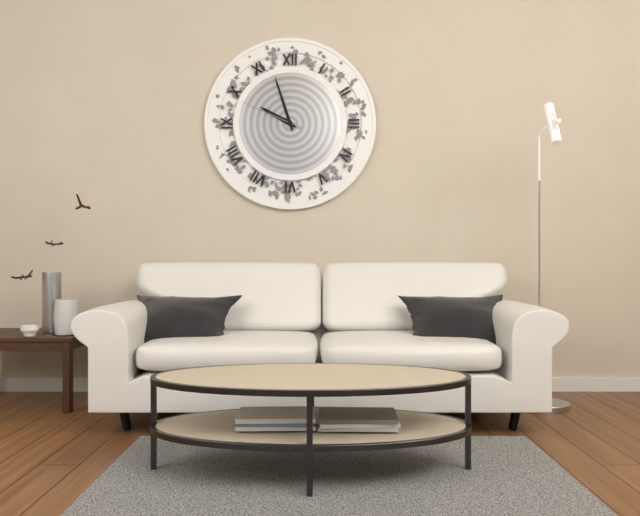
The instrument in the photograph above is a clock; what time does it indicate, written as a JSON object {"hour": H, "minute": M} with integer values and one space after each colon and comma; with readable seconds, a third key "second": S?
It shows {"hour": 9, "minute": 57, "second": 49}
